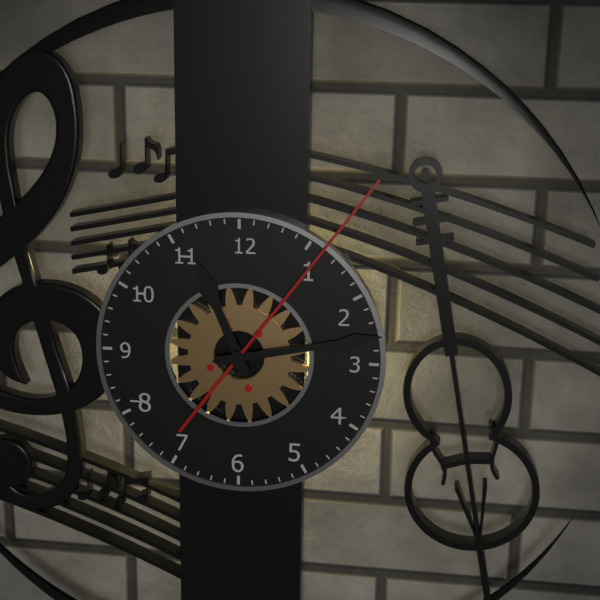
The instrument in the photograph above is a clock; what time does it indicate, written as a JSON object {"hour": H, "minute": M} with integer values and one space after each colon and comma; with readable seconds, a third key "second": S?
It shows {"hour": 11, "minute": 13, "second": 6}
